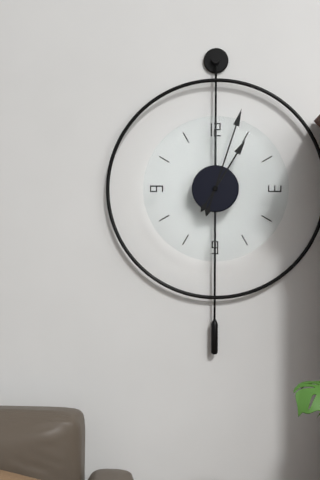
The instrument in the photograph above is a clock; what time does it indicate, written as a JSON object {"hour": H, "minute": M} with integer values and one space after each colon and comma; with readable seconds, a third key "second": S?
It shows {"hour": 1, "minute": 3}
